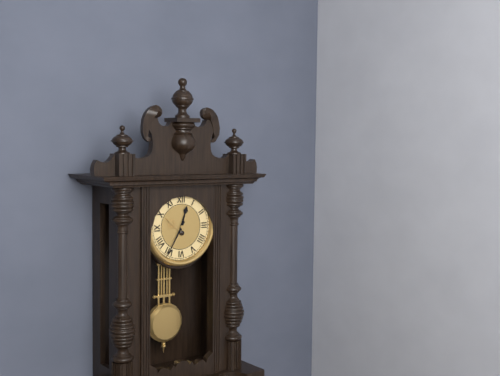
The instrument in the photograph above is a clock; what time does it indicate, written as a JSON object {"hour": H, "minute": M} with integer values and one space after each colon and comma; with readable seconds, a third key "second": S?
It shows {"hour": 12, "minute": 35}
